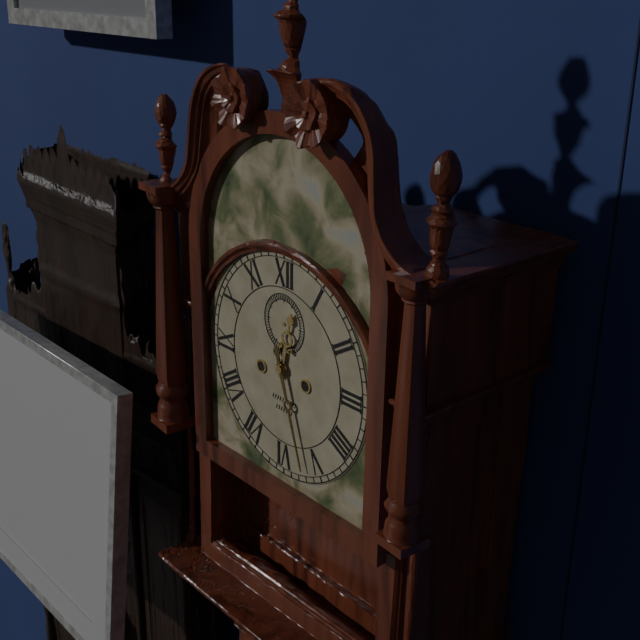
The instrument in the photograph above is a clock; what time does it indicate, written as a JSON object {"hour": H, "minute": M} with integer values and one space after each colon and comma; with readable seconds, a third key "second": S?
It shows {"hour": 12, "minute": 27}
